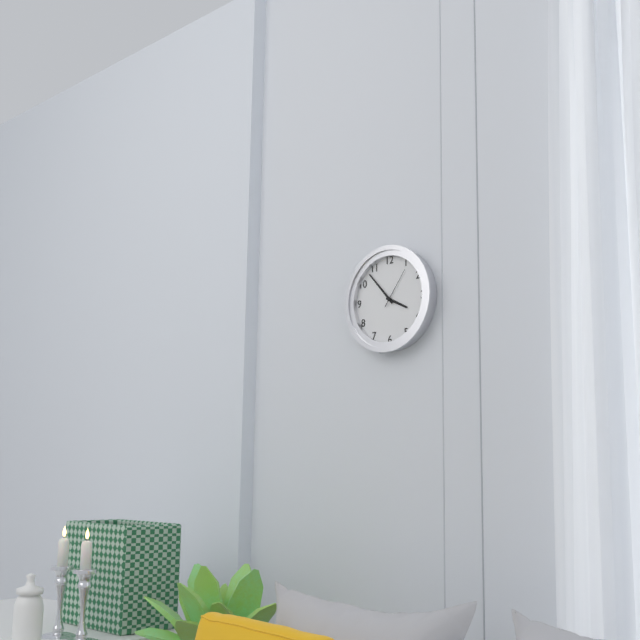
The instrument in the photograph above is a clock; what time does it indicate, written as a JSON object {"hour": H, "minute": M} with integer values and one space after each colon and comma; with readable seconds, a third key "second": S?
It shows {"hour": 3, "minute": 53}
